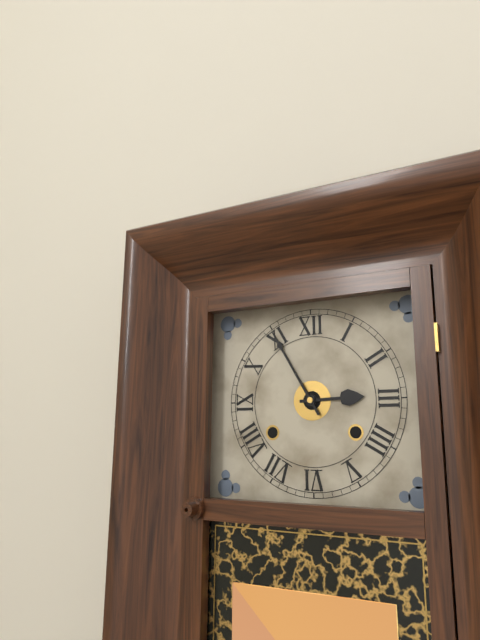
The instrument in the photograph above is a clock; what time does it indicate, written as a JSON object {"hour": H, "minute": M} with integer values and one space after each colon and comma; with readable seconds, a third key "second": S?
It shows {"hour": 2, "minute": 55}
